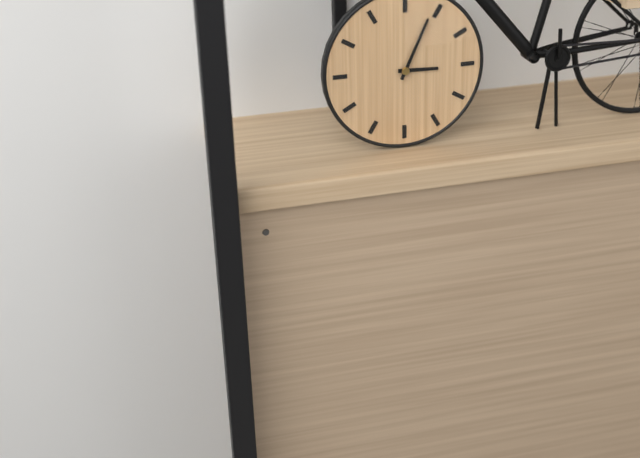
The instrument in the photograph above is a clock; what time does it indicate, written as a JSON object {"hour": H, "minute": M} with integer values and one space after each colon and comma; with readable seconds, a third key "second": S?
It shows {"hour": 3, "minute": 4}
